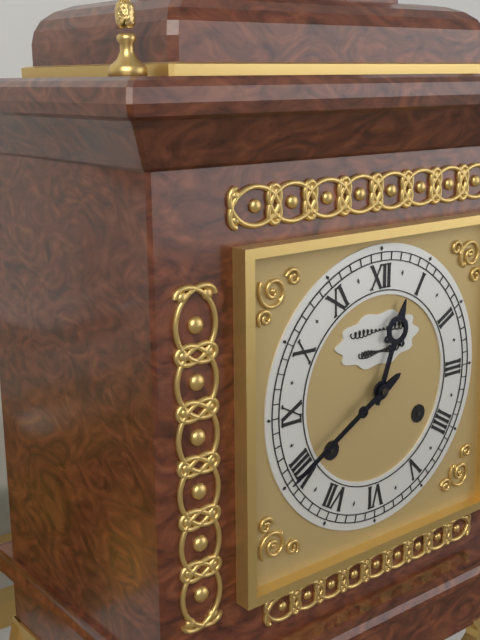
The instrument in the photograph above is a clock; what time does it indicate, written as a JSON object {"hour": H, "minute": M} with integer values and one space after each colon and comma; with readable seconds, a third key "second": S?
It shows {"hour": 12, "minute": 40}
